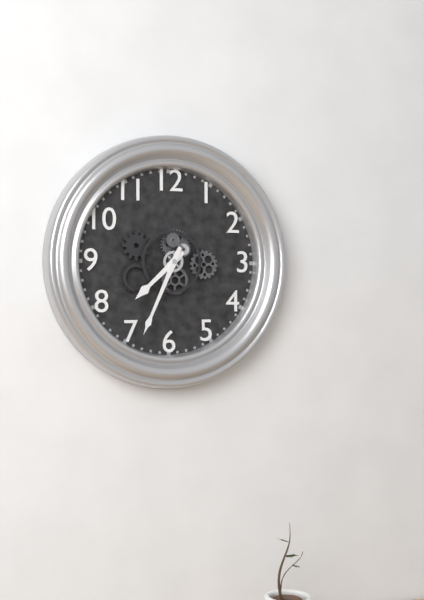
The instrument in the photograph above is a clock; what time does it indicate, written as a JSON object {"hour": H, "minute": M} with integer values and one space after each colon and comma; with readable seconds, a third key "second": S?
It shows {"hour": 7, "minute": 34}
